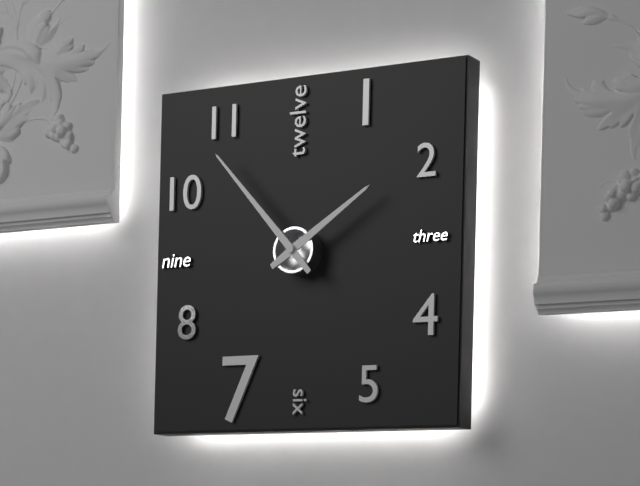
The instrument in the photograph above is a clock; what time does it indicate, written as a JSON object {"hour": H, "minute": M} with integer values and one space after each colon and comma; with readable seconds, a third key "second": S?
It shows {"hour": 1, "minute": 53}
